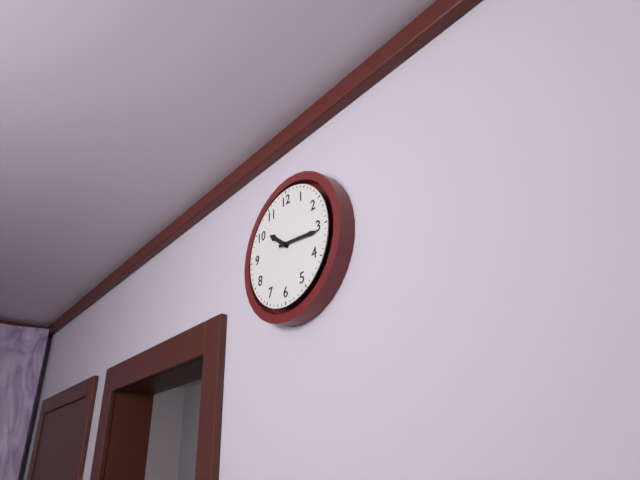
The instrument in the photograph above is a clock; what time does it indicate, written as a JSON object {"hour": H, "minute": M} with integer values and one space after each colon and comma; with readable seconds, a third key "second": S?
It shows {"hour": 10, "minute": 16}
